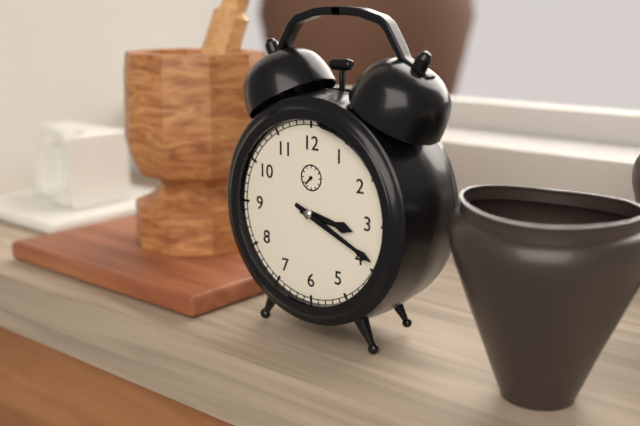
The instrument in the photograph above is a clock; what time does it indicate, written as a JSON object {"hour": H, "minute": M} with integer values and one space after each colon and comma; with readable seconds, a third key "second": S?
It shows {"hour": 3, "minute": 19}
